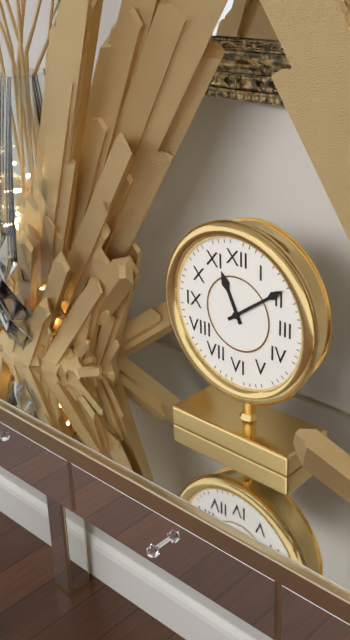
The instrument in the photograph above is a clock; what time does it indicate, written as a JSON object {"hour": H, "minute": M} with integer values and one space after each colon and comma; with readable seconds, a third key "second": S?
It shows {"hour": 11, "minute": 9}
